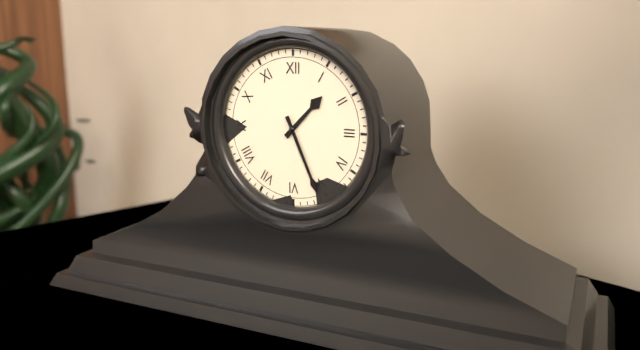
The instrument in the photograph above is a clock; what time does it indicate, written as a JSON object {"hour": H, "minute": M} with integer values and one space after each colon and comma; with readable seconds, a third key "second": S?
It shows {"hour": 1, "minute": 26}
